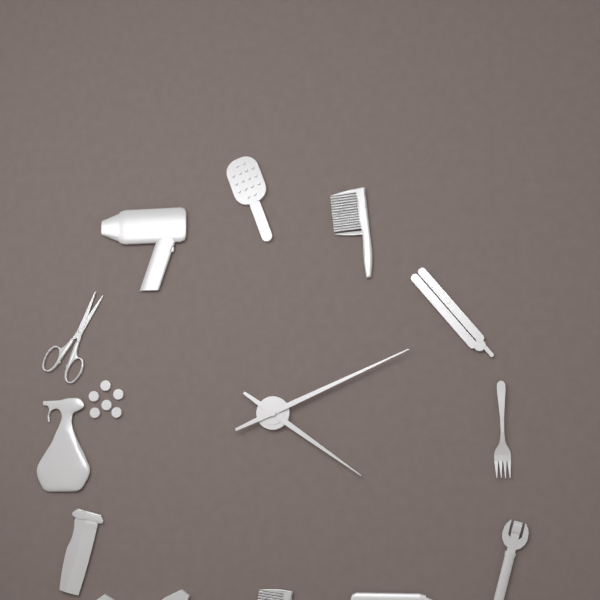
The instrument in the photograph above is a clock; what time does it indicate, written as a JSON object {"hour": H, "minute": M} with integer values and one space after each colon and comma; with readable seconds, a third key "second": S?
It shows {"hour": 4, "minute": 11}
